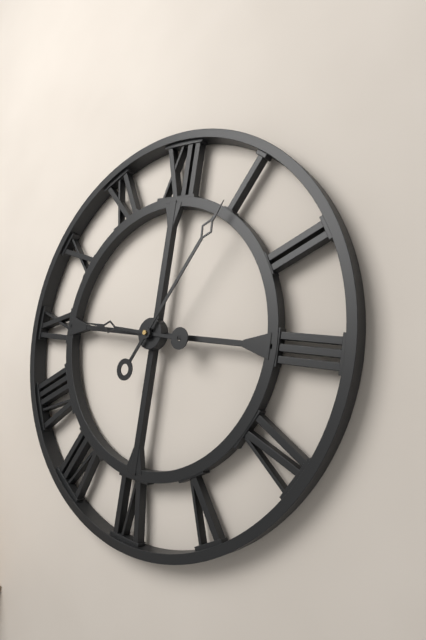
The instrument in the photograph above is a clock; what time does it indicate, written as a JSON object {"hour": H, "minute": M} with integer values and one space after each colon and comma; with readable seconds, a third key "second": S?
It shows {"hour": 9, "minute": 5}
